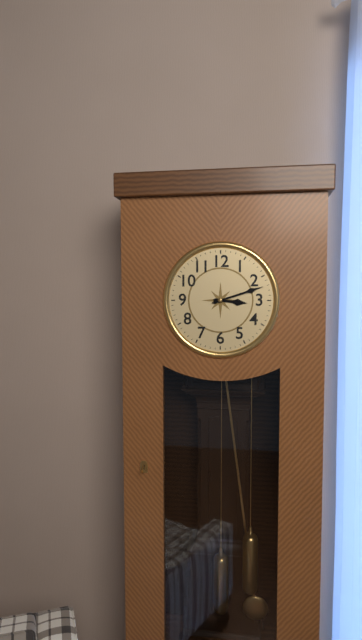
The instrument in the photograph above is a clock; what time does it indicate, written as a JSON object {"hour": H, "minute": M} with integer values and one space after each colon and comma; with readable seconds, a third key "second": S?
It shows {"hour": 3, "minute": 12}
